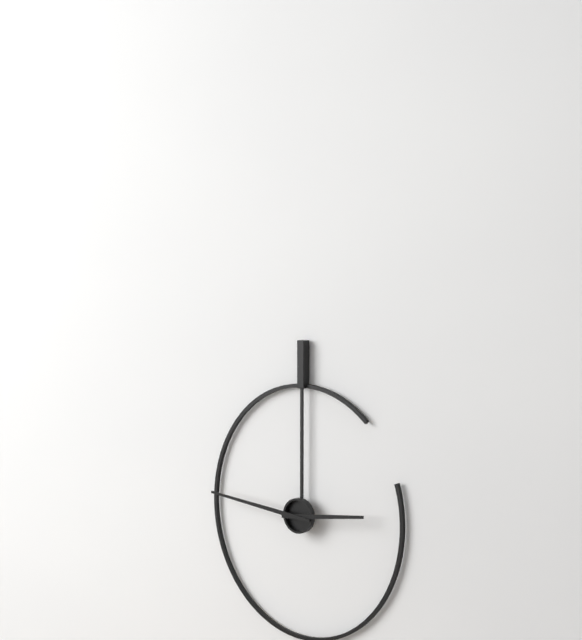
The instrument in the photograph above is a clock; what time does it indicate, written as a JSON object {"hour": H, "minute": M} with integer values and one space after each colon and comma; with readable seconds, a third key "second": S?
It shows {"hour": 2, "minute": 46}
